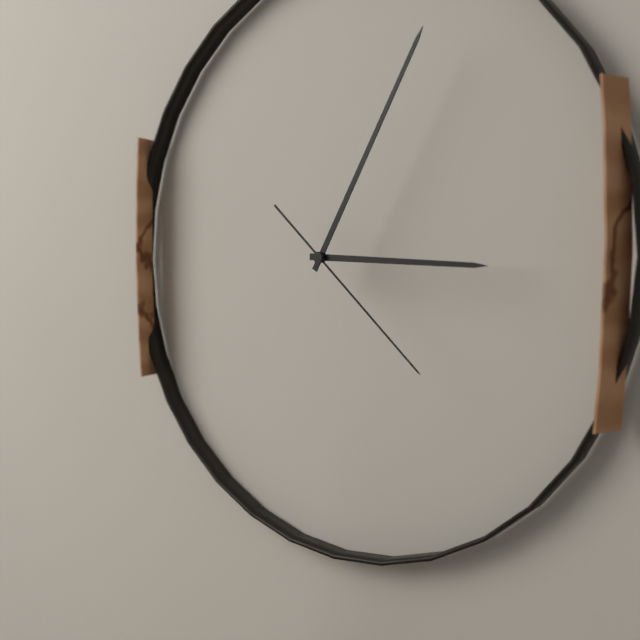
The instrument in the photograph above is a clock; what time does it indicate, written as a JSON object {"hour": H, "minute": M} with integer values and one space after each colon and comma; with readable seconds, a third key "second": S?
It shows {"hour": 3, "minute": 5, "second": 22}
